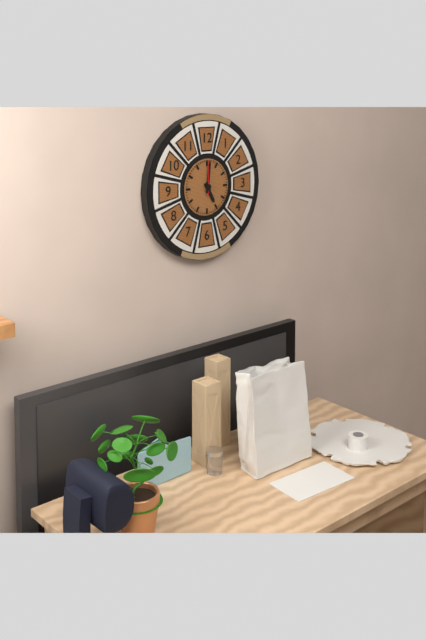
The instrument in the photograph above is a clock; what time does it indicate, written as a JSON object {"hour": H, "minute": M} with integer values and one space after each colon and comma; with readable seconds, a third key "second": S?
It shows {"hour": 5, "minute": 1}
